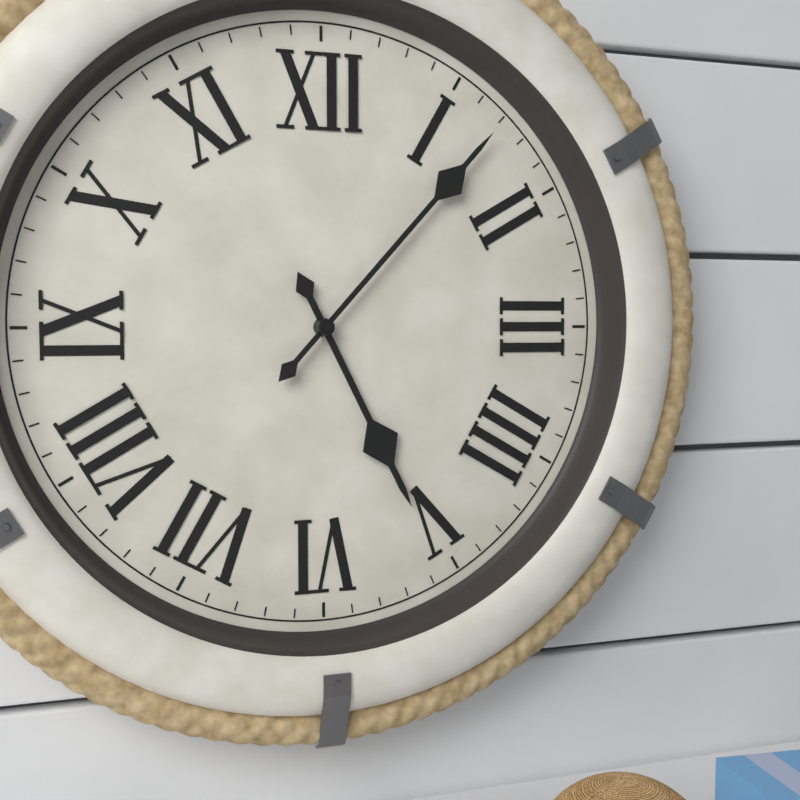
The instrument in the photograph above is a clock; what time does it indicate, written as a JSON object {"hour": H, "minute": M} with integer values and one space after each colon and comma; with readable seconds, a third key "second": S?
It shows {"hour": 5, "minute": 7}
